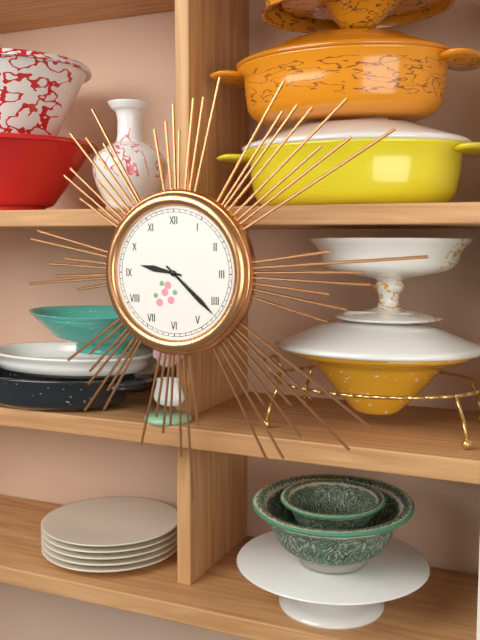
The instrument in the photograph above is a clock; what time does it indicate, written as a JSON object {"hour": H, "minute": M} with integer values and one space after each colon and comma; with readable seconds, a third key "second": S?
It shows {"hour": 9, "minute": 22}
